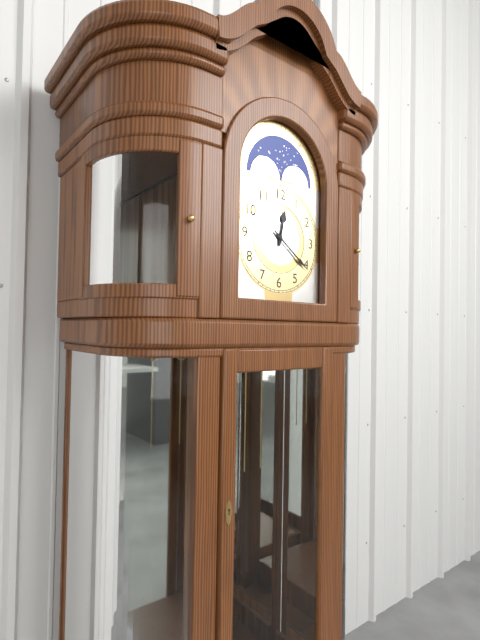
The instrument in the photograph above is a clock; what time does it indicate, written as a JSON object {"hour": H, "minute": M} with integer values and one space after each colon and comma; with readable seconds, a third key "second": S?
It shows {"hour": 12, "minute": 21}
